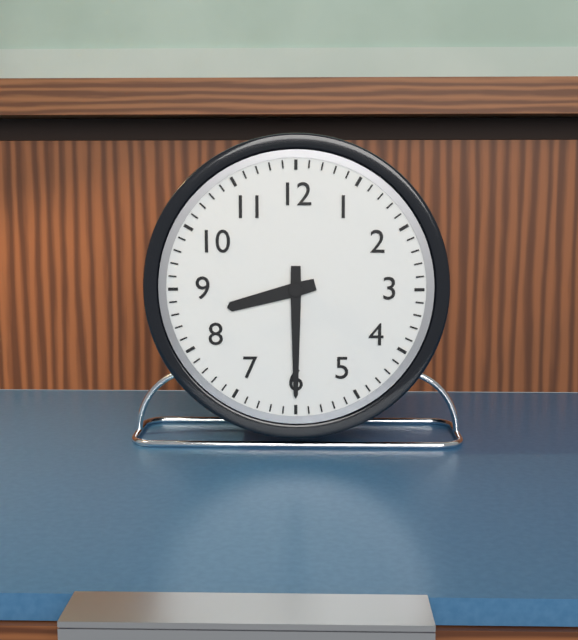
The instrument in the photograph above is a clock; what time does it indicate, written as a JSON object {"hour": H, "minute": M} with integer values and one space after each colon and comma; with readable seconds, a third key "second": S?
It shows {"hour": 8, "minute": 30}
